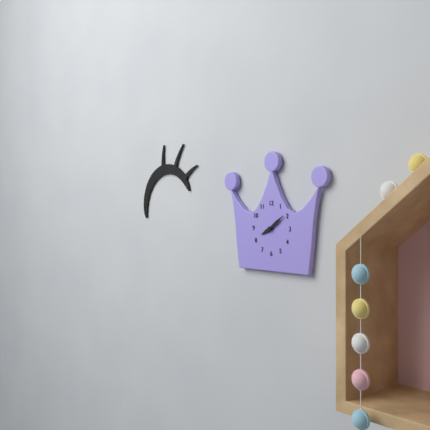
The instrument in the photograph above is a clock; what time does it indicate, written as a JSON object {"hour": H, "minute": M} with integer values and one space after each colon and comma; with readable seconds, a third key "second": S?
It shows {"hour": 8, "minute": 9}
